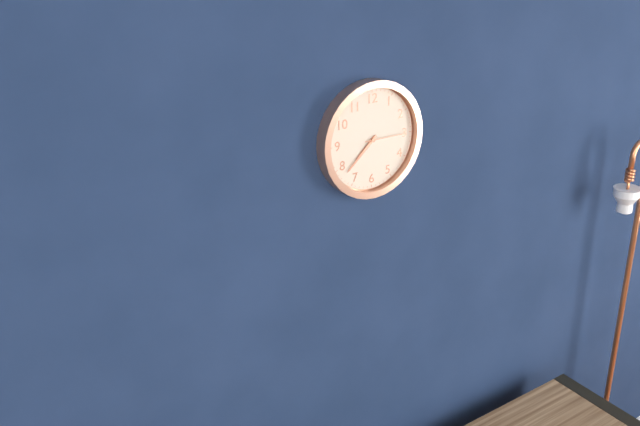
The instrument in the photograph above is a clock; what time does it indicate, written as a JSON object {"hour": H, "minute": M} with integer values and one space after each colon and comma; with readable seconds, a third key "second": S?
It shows {"hour": 7, "minute": 38}
